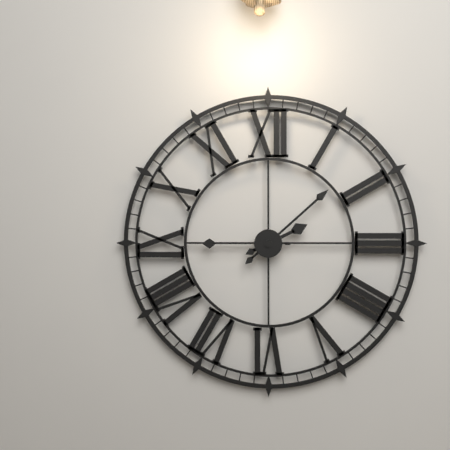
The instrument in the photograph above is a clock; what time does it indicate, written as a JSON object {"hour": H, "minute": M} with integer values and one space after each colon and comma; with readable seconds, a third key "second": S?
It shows {"hour": 2, "minute": 8, "second": 45}
